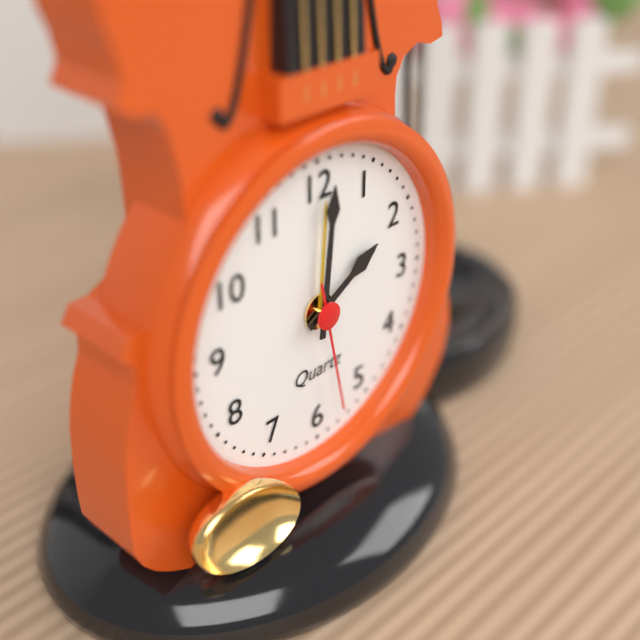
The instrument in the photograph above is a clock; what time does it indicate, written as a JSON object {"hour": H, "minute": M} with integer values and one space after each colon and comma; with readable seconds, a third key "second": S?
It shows {"hour": 2, "minute": 1, "second": 28}
